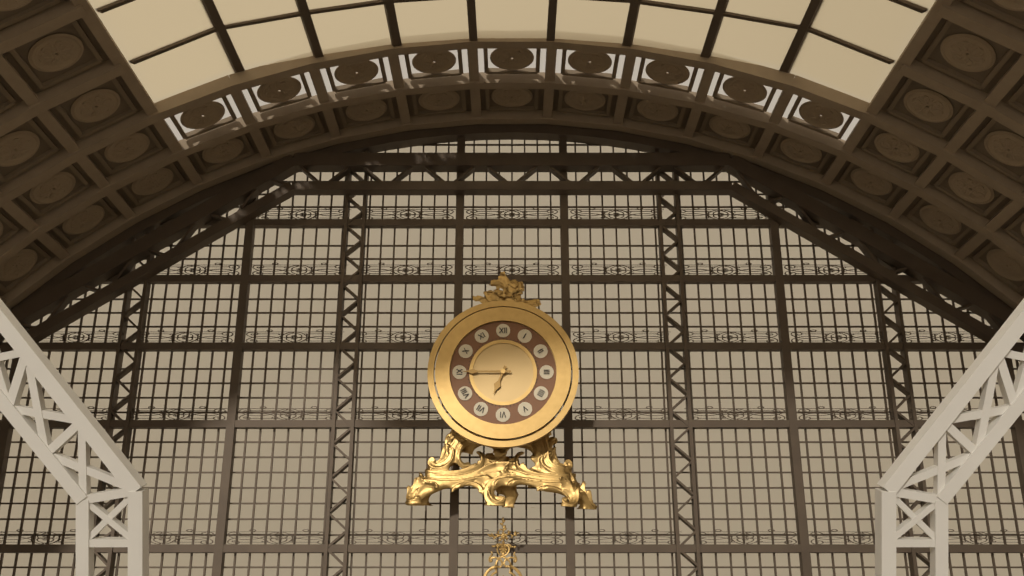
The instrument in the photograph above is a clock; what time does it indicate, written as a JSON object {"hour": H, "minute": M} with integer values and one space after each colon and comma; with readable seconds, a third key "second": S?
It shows {"hour": 6, "minute": 45}
